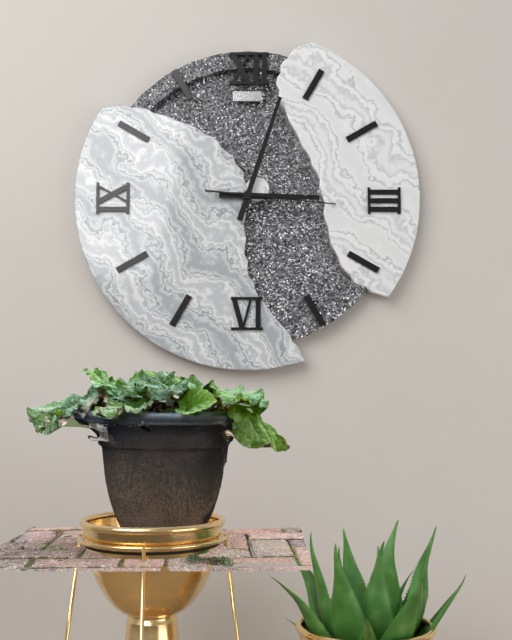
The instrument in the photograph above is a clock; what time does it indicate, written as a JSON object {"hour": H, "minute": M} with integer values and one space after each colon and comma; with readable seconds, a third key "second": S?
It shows {"hour": 3, "minute": 3, "second": 16}
